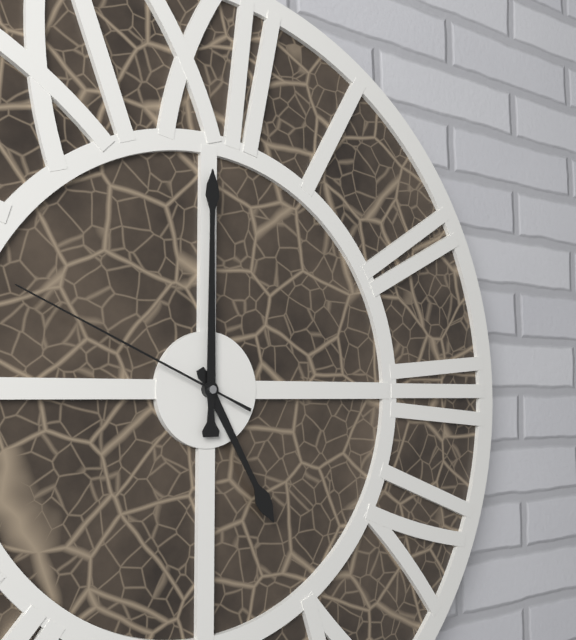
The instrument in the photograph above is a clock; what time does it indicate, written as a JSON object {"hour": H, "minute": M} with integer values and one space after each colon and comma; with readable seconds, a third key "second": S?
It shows {"hour": 5, "minute": 0, "second": 49}
